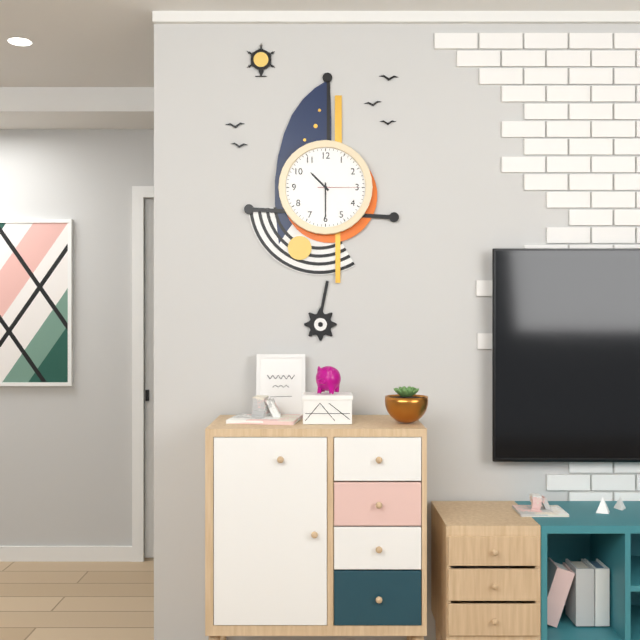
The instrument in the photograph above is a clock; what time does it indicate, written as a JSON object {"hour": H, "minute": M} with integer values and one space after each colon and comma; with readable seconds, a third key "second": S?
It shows {"hour": 10, "minute": 30}
